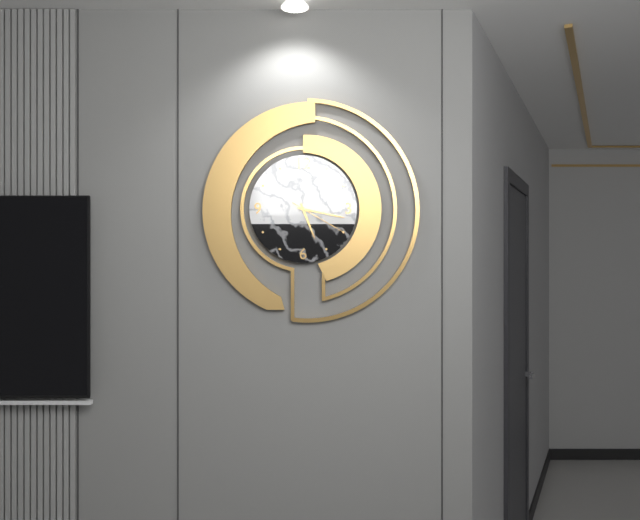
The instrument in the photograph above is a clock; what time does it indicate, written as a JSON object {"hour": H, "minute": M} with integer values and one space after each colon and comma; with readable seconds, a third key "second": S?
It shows {"hour": 5, "minute": 17, "second": 20}
